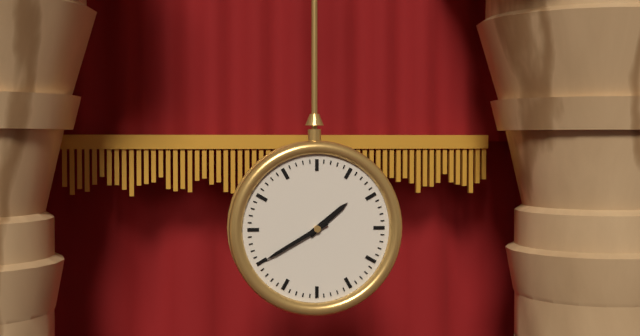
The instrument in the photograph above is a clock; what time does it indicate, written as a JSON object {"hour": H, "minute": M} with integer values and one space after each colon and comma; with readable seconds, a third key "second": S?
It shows {"hour": 1, "minute": 40}
